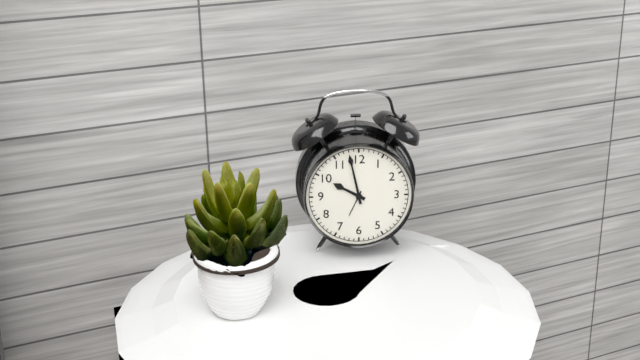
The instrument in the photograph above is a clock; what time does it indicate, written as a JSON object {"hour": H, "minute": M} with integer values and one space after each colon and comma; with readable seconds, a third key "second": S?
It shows {"hour": 9, "minute": 58}
